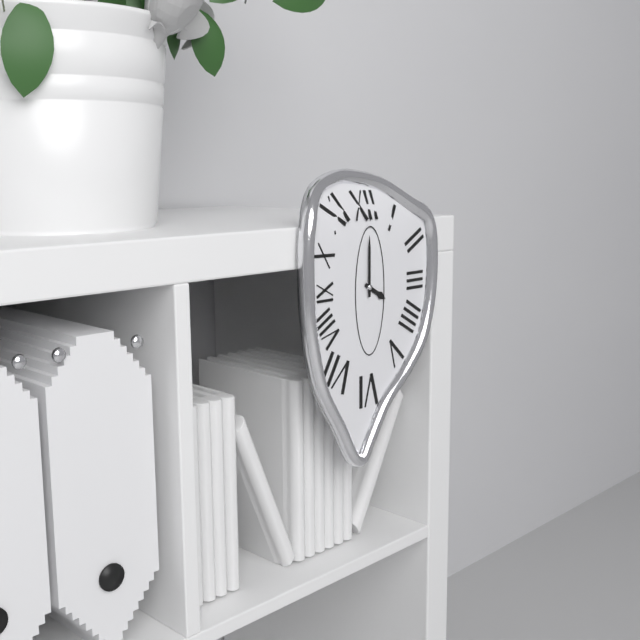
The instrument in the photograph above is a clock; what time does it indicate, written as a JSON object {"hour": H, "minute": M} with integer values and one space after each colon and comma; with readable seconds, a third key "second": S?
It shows {"hour": 4, "minute": 0}
